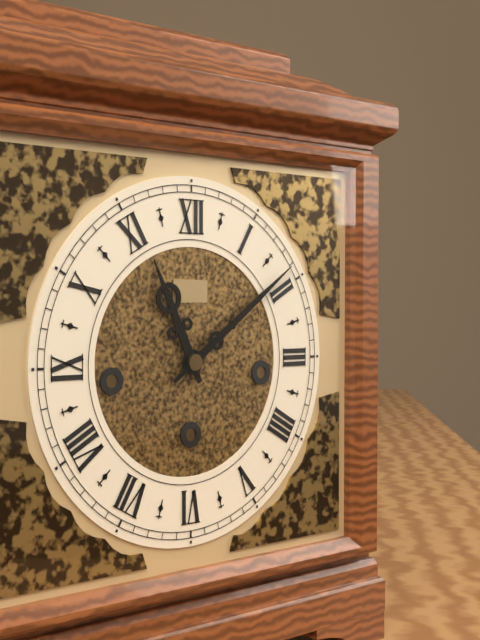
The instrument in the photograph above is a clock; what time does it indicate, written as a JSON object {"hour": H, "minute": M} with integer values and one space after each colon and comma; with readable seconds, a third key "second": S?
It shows {"hour": 11, "minute": 9}
